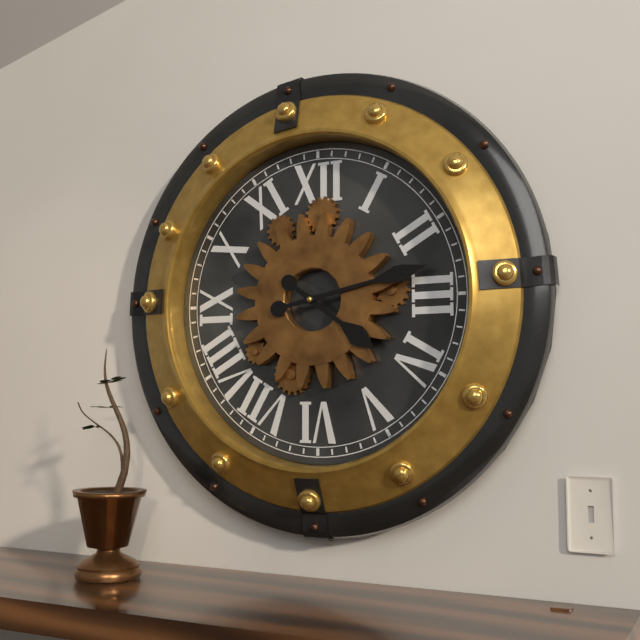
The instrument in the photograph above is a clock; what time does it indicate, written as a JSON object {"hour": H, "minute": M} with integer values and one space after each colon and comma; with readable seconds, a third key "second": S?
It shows {"hour": 4, "minute": 13}
